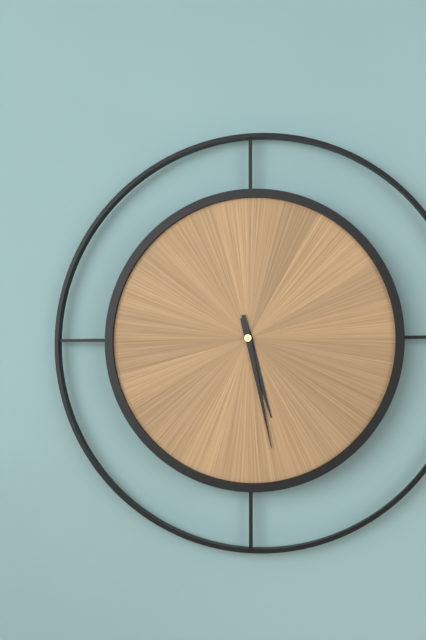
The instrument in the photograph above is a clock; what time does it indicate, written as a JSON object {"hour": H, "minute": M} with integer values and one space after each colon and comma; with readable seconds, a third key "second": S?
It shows {"hour": 5, "minute": 28}
